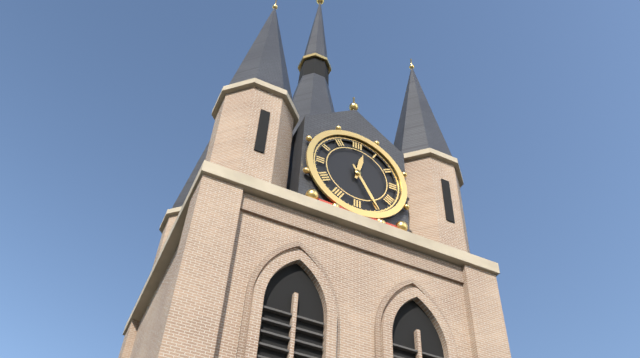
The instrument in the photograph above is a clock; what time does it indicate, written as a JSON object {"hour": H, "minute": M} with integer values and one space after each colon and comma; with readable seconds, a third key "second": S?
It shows {"hour": 12, "minute": 25}
